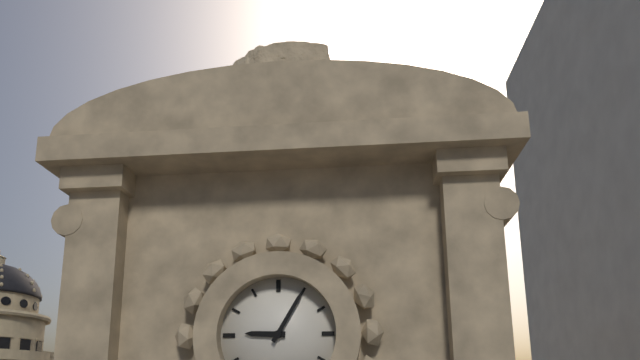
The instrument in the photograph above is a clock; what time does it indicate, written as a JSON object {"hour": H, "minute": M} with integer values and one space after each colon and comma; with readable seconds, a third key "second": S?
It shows {"hour": 9, "minute": 5}
